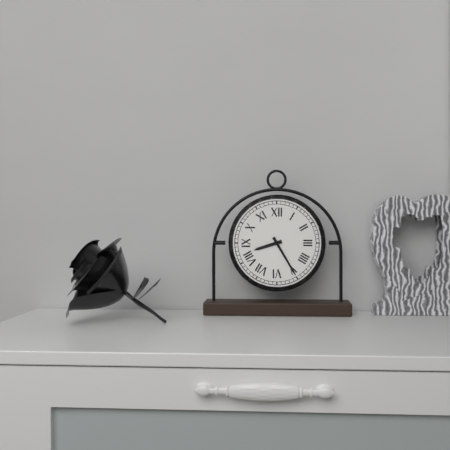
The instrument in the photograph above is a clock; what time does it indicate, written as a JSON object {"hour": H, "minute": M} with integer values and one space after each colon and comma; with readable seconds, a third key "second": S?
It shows {"hour": 8, "minute": 25}
